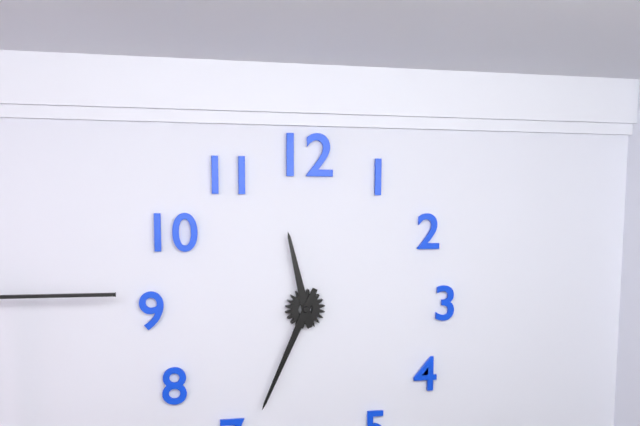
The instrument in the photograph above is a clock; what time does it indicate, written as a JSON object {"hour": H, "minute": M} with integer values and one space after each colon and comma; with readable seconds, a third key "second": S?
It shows {"hour": 11, "minute": 34}
